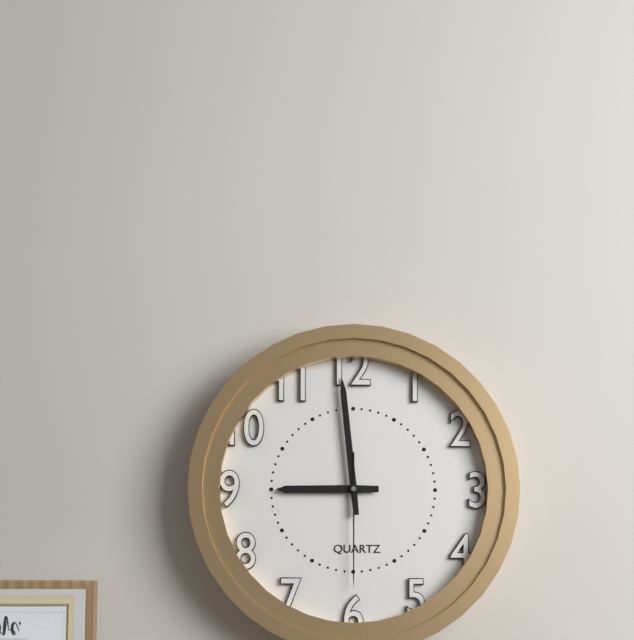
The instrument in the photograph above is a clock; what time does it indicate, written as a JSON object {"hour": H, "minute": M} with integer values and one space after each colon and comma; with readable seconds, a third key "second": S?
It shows {"hour": 8, "minute": 59, "second": 30}
